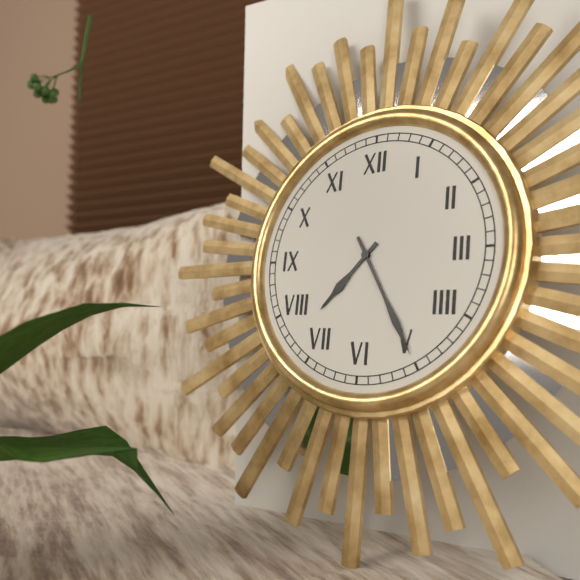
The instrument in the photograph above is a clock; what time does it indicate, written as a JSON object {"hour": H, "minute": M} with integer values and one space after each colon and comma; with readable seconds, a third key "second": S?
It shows {"hour": 7, "minute": 25}
